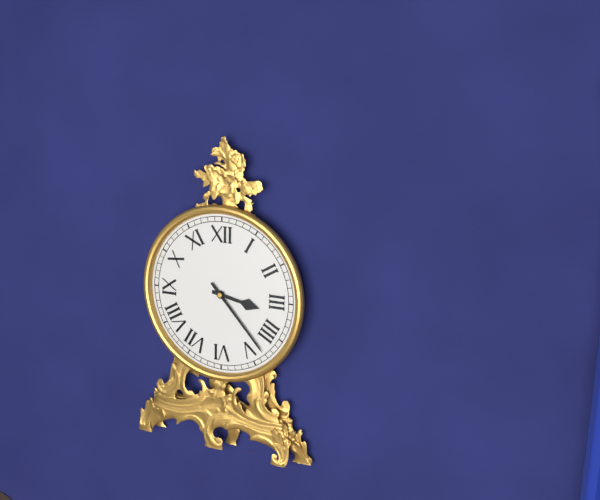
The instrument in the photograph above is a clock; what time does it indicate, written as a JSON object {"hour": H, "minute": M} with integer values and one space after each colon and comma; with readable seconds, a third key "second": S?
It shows {"hour": 3, "minute": 23}
